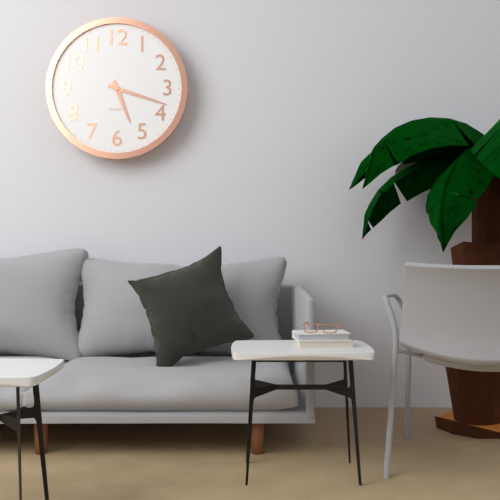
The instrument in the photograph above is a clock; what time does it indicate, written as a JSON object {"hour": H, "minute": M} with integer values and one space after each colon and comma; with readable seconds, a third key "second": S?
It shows {"hour": 5, "minute": 18}
